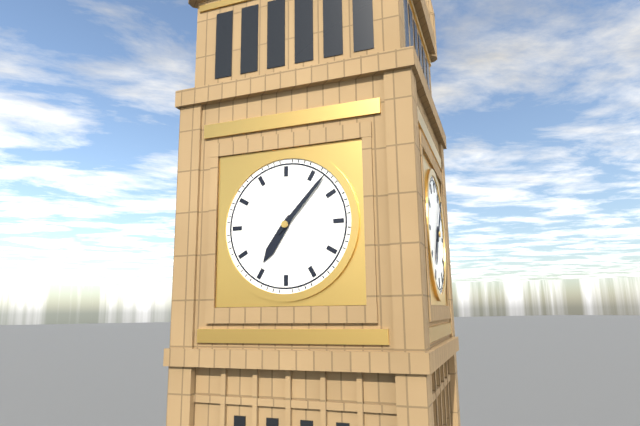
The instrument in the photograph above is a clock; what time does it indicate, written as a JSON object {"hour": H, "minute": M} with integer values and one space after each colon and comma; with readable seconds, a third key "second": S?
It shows {"hour": 7, "minute": 7}
